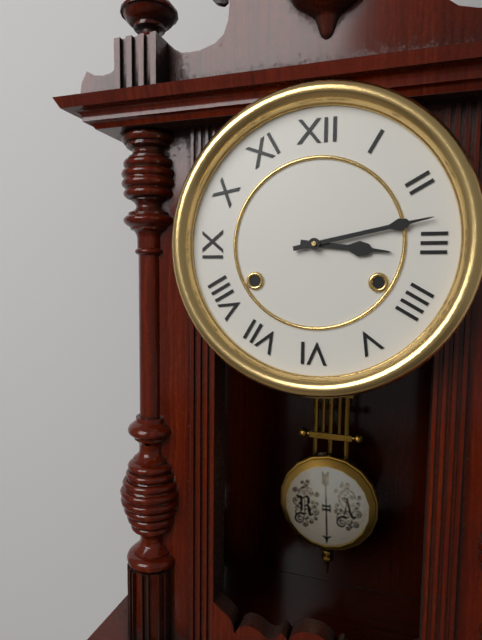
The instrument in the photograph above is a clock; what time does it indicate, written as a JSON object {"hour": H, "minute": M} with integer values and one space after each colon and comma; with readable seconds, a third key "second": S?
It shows {"hour": 3, "minute": 13}
